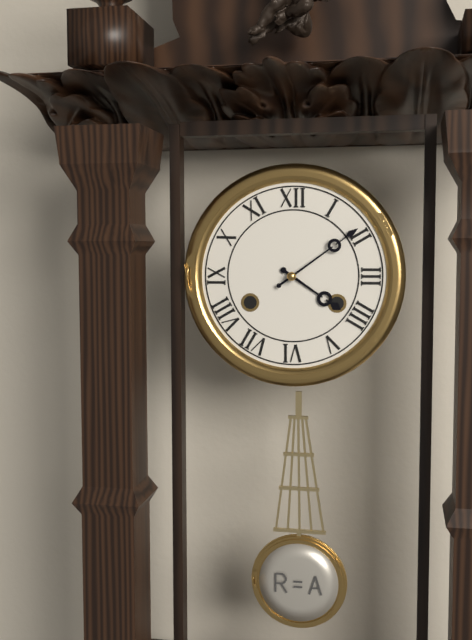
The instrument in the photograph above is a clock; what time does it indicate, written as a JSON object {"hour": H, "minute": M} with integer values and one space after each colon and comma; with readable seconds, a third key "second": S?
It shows {"hour": 4, "minute": 9}
